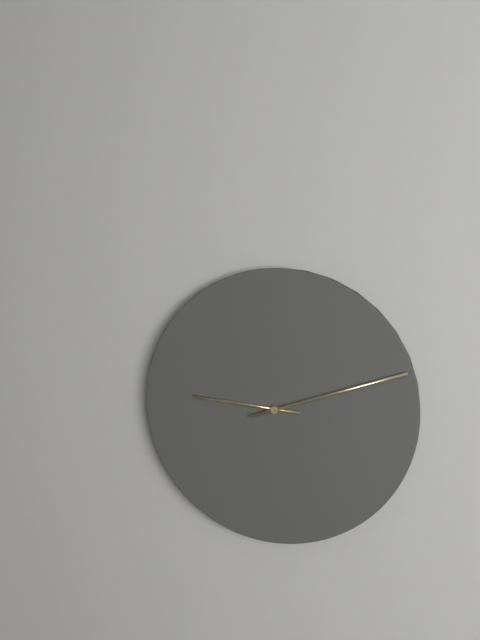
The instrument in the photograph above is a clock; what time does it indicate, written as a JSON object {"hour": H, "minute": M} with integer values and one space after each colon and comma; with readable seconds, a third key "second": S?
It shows {"hour": 9, "minute": 12}
